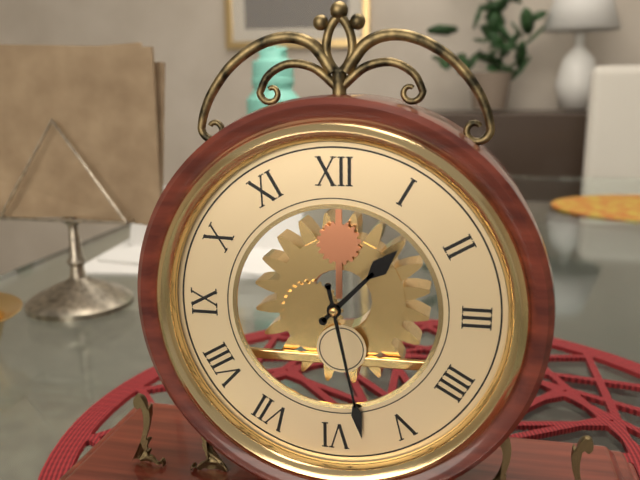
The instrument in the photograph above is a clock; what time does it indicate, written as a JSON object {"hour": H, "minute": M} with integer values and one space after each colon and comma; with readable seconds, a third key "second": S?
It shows {"hour": 1, "minute": 28}
